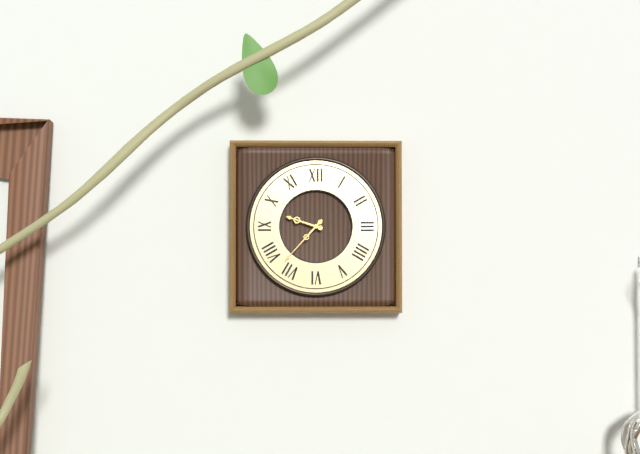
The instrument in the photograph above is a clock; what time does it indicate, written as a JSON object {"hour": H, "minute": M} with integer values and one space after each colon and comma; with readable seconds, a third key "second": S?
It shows {"hour": 9, "minute": 37}
